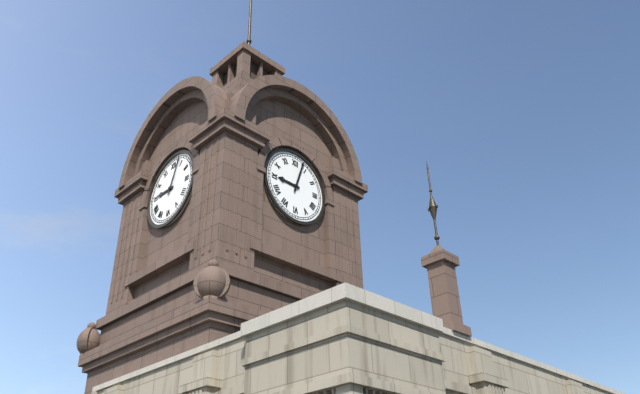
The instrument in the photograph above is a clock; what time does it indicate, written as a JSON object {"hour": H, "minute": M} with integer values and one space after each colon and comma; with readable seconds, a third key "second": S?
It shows {"hour": 9, "minute": 3}
